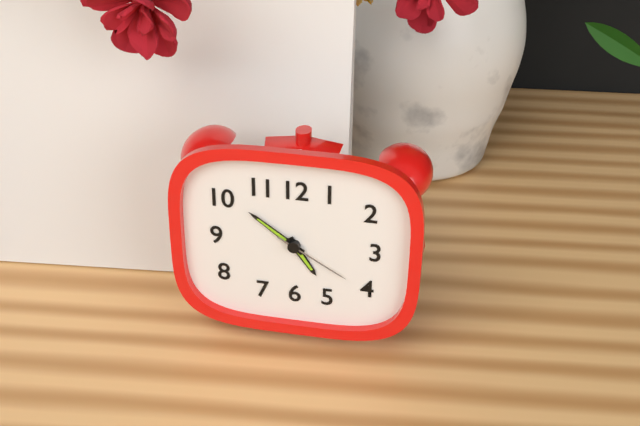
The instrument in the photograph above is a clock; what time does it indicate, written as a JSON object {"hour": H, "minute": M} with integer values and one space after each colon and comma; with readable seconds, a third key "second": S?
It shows {"hour": 4, "minute": 51, "second": 20}
